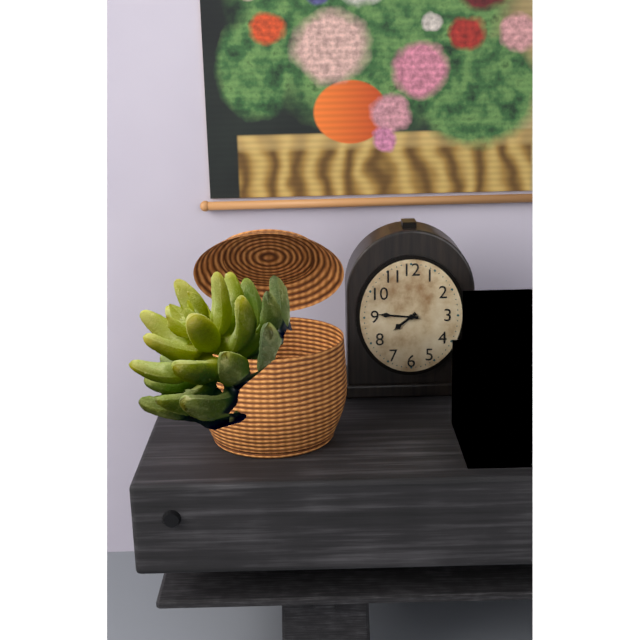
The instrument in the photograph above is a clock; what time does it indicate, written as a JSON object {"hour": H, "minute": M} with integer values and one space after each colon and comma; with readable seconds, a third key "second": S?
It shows {"hour": 7, "minute": 46}
